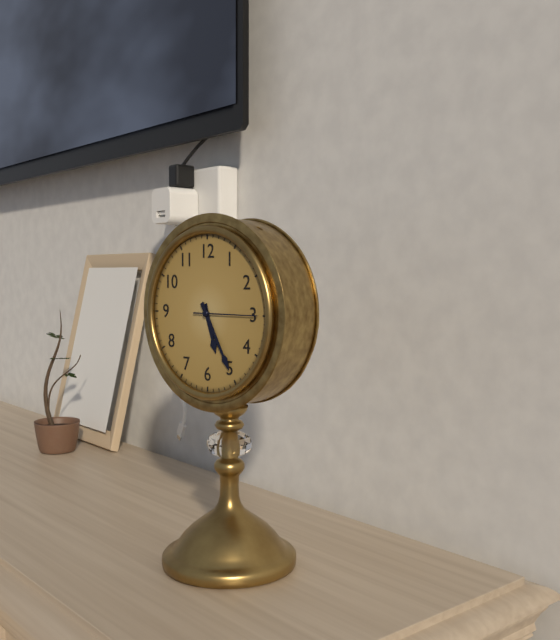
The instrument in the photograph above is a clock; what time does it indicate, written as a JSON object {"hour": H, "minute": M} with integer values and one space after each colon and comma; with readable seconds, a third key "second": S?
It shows {"hour": 5, "minute": 25}
